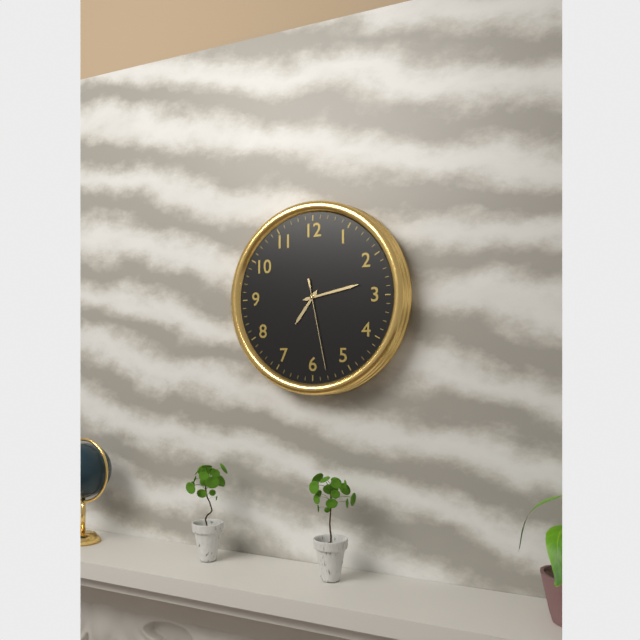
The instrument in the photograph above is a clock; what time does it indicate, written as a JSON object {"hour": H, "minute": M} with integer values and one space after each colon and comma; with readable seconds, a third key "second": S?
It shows {"hour": 7, "minute": 13, "second": 28}
